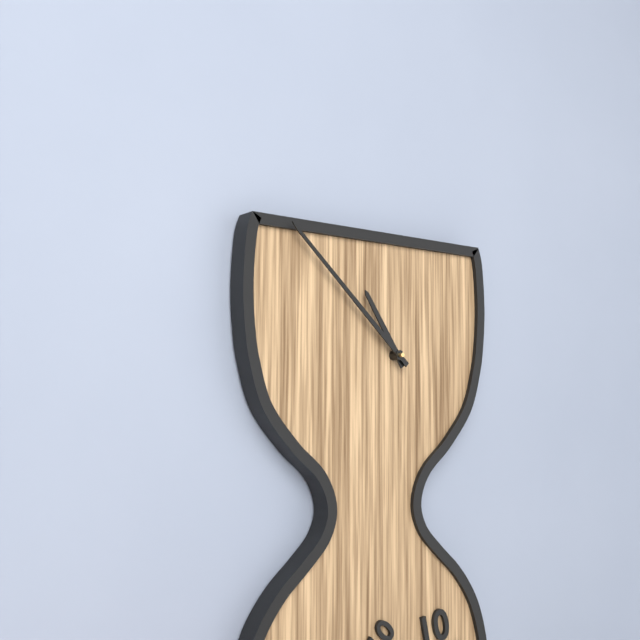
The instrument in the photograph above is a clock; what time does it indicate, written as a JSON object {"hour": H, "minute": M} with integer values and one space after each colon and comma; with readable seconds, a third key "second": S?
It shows {"hour": 10, "minute": 52}
